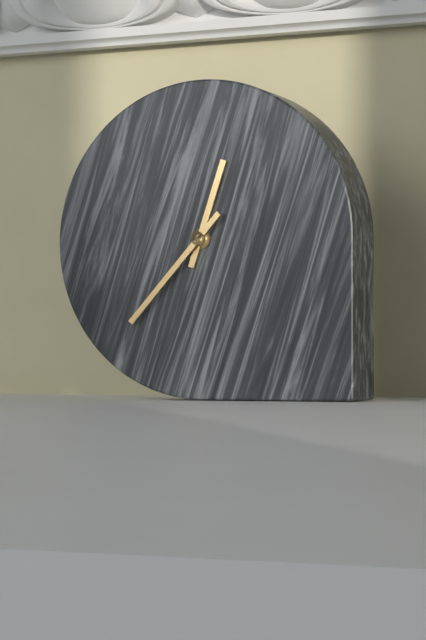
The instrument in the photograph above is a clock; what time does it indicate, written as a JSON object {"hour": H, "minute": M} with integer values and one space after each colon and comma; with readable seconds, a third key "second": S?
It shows {"hour": 12, "minute": 37}
